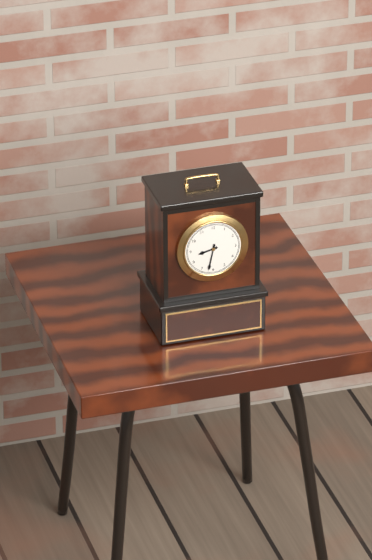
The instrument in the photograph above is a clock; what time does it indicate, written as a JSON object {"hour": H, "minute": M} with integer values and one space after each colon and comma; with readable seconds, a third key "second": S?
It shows {"hour": 8, "minute": 32}
